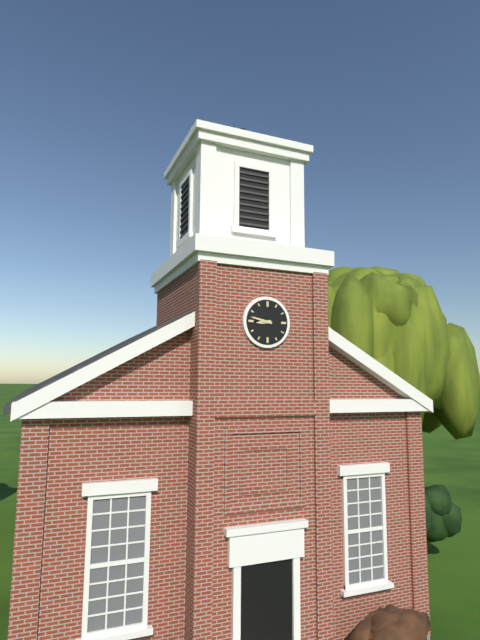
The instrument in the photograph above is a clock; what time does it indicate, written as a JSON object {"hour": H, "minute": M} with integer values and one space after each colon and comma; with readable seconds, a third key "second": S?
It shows {"hour": 8, "minute": 47}
